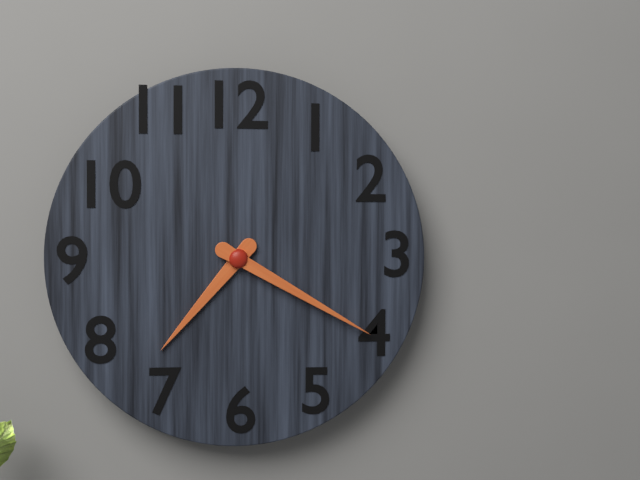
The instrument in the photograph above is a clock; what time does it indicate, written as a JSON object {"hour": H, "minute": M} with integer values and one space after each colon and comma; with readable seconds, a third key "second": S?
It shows {"hour": 7, "minute": 20}
